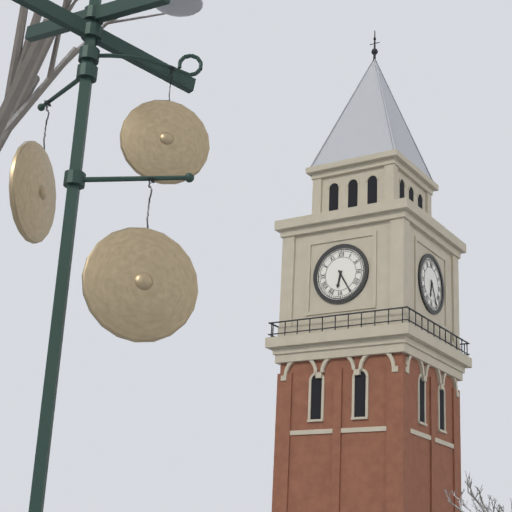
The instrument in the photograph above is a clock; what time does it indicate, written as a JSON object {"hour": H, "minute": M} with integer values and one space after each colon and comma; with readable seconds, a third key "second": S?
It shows {"hour": 6, "minute": 25}
